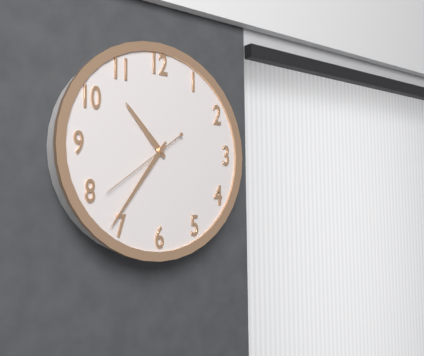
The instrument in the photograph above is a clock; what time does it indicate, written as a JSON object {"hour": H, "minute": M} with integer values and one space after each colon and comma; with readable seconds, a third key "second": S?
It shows {"hour": 10, "minute": 36, "second": 39}
